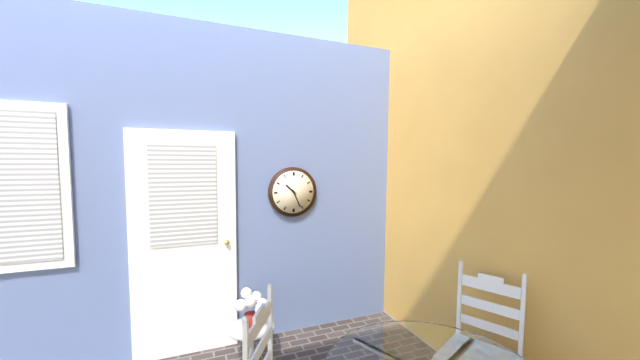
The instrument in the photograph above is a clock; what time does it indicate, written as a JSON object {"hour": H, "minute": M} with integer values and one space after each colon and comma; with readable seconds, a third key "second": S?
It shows {"hour": 10, "minute": 26}
